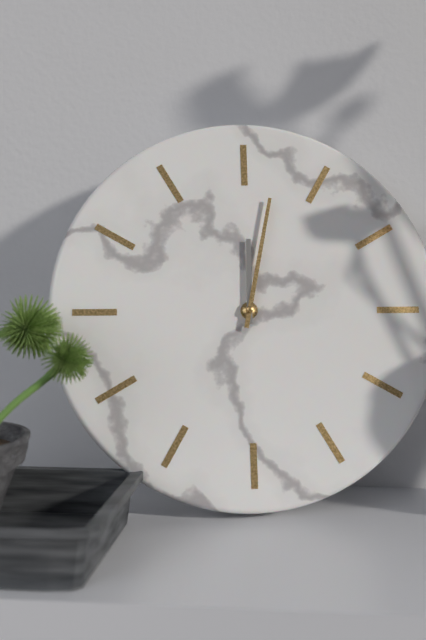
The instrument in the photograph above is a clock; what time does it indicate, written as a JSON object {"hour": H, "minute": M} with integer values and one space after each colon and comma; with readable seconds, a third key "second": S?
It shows {"hour": 12, "minute": 2}
